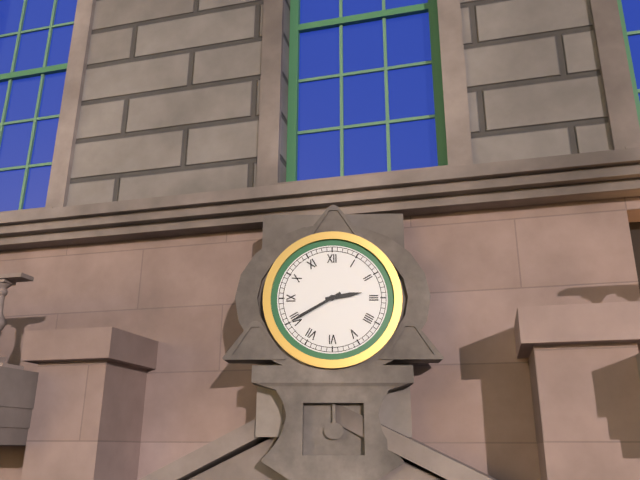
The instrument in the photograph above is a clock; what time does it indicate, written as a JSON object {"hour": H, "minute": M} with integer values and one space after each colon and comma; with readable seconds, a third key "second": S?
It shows {"hour": 2, "minute": 40}
